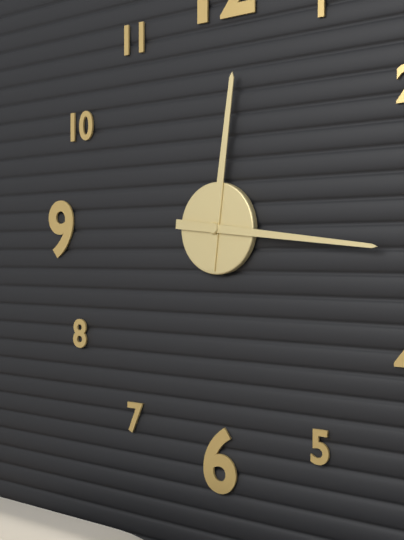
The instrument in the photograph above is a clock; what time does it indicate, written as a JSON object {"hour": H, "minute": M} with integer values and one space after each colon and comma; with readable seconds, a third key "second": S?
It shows {"hour": 12, "minute": 16}
